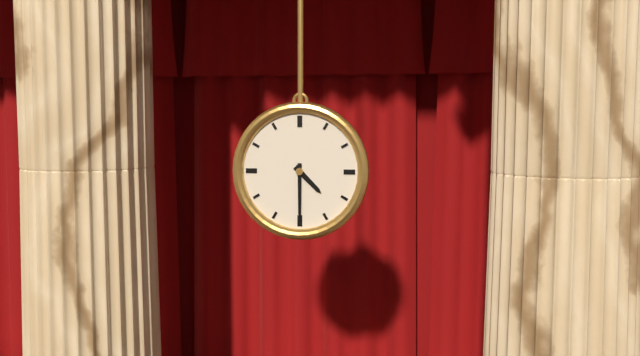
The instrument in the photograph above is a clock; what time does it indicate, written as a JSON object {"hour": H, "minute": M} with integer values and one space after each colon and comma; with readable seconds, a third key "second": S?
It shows {"hour": 4, "minute": 30}
